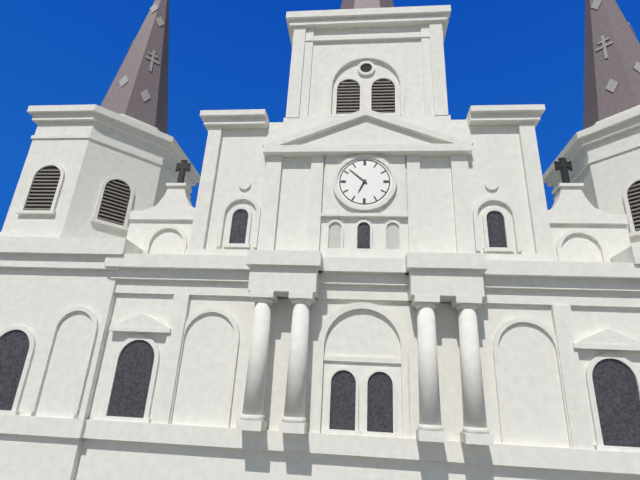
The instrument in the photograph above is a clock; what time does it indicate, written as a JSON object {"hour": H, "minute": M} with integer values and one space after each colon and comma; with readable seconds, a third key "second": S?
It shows {"hour": 6, "minute": 52}
